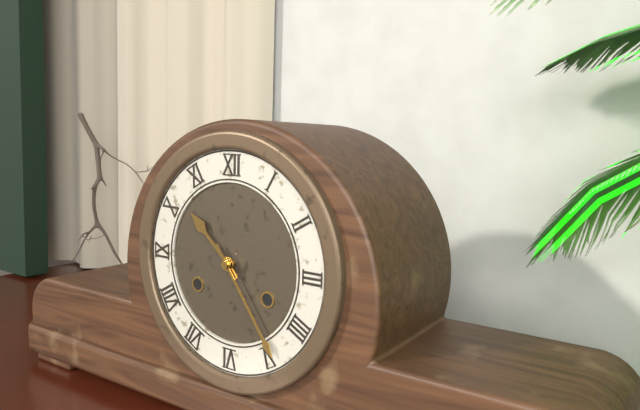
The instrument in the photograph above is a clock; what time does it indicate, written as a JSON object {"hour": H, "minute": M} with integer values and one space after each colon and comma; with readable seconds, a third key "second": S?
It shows {"hour": 10, "minute": 24}
